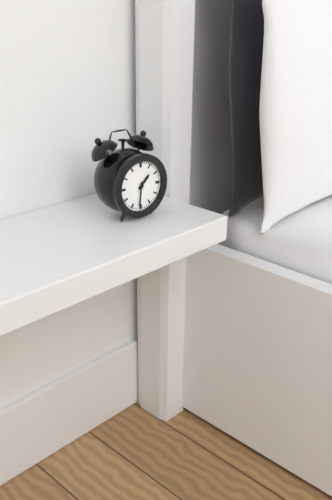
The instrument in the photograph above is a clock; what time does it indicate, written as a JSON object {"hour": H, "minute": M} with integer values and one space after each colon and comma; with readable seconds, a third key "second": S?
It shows {"hour": 1, "minute": 31}
